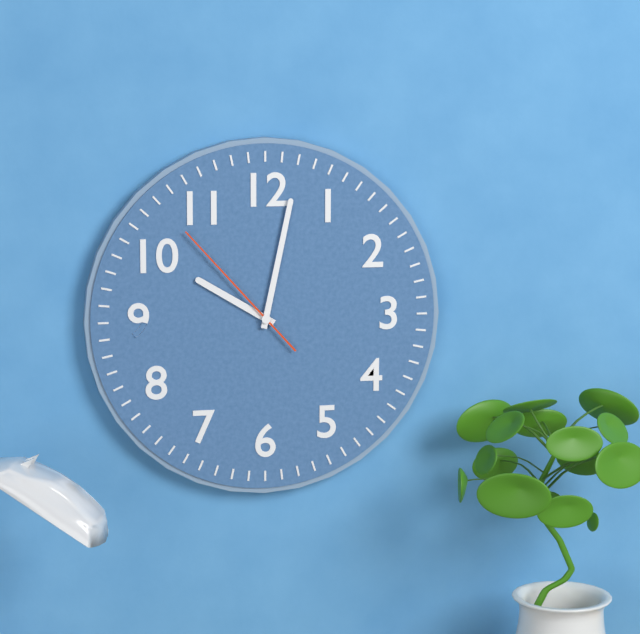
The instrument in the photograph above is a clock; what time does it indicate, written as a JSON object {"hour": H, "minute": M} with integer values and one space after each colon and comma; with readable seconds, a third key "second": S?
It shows {"hour": 10, "minute": 2, "second": 53}
